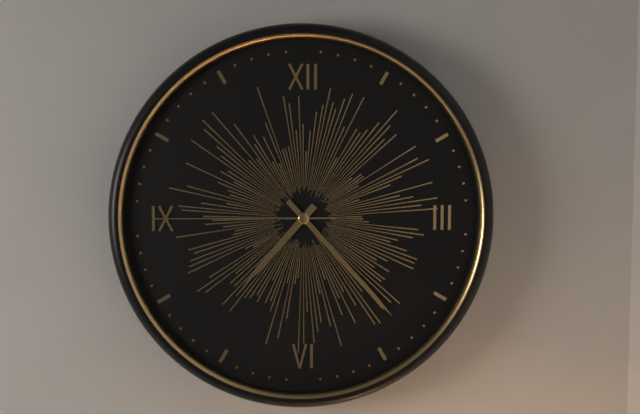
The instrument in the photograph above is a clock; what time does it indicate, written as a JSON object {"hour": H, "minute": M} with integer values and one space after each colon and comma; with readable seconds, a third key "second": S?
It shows {"hour": 7, "minute": 23, "second": 45}
